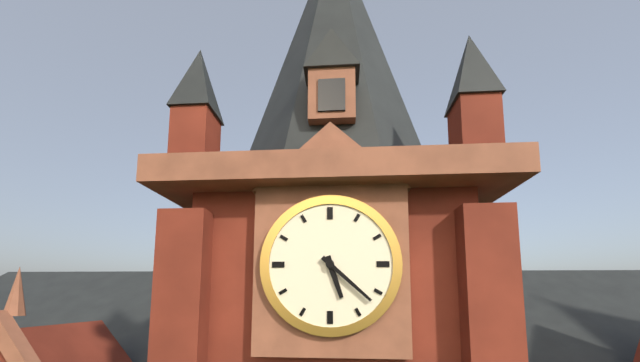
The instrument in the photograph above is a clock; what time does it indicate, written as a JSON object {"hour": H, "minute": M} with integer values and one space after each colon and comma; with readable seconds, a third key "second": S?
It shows {"hour": 5, "minute": 22}
